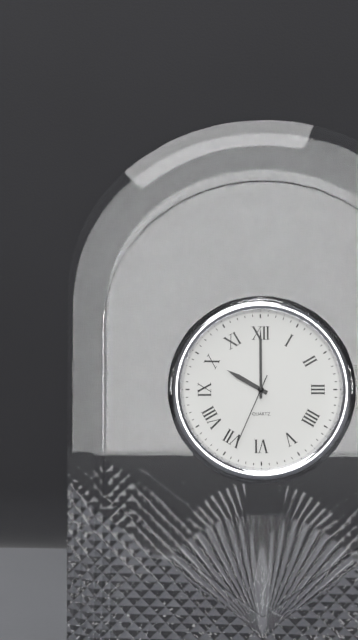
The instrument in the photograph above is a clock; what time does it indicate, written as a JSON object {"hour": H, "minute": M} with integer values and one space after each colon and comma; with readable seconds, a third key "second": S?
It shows {"hour": 10, "minute": 0, "second": 34}
